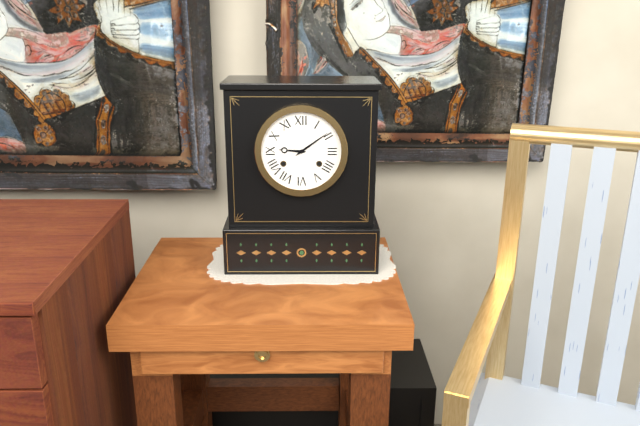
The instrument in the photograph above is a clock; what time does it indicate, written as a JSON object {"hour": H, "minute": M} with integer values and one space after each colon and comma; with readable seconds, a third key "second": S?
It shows {"hour": 9, "minute": 9}
